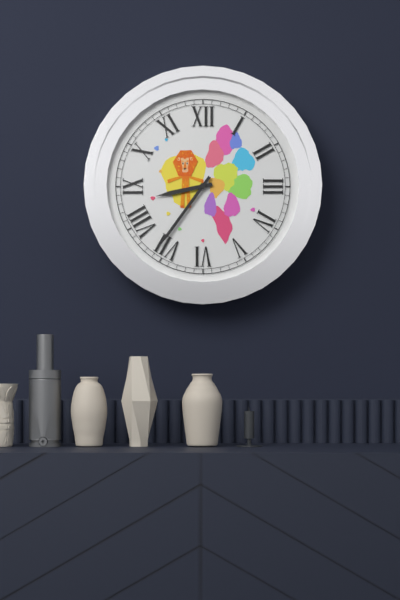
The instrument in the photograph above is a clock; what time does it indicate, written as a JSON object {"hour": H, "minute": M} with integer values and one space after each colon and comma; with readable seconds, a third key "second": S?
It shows {"hour": 8, "minute": 36}
